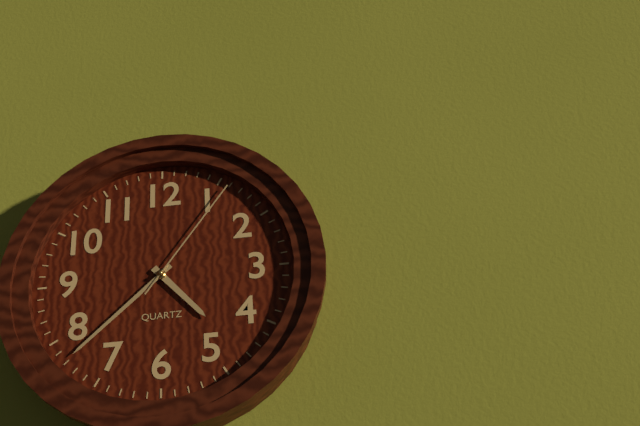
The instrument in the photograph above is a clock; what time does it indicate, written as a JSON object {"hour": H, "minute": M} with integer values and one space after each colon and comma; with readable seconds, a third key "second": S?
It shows {"hour": 4, "minute": 38, "second": 6}
